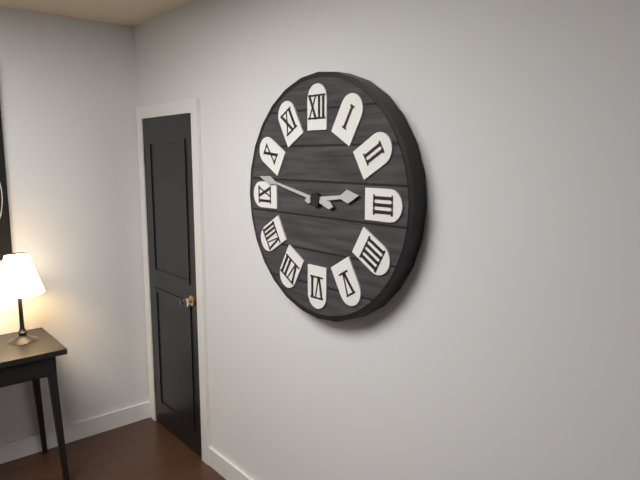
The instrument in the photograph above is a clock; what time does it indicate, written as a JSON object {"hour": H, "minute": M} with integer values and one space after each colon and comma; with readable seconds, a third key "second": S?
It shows {"hour": 2, "minute": 47}
